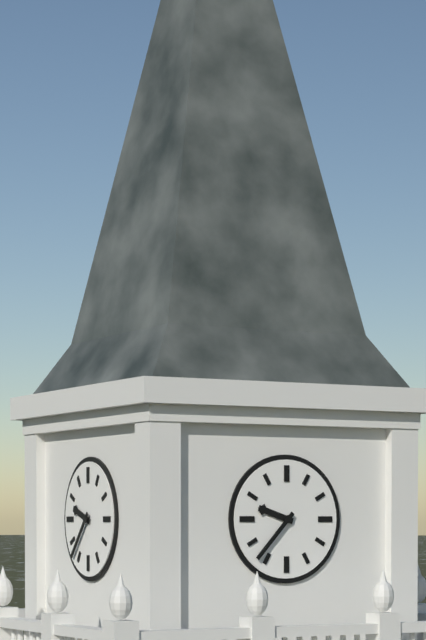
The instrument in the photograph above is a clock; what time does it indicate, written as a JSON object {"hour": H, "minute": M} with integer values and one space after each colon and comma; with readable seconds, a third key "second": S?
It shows {"hour": 9, "minute": 37}
